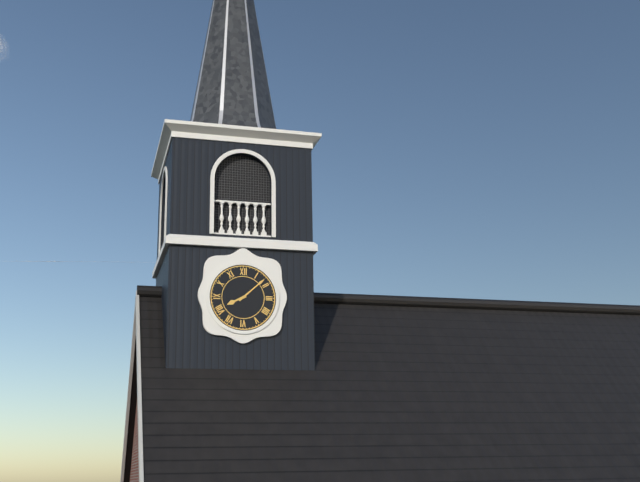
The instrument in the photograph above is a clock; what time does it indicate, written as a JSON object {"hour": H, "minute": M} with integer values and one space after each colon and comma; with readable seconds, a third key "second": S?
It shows {"hour": 8, "minute": 8}
